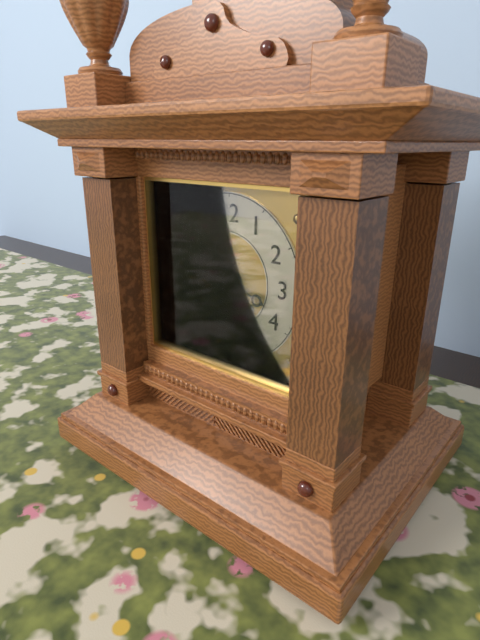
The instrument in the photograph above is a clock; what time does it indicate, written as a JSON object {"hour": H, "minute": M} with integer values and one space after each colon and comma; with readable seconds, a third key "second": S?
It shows {"hour": 3, "minute": 42}
